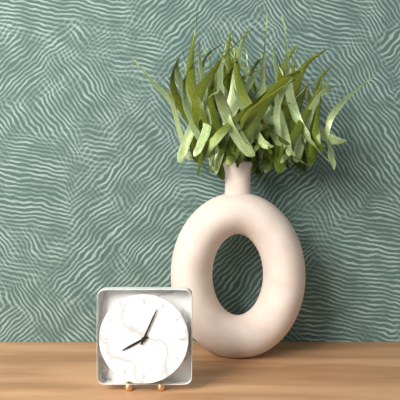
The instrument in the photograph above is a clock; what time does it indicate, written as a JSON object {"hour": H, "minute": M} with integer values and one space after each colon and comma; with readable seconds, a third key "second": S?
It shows {"hour": 8, "minute": 4}
